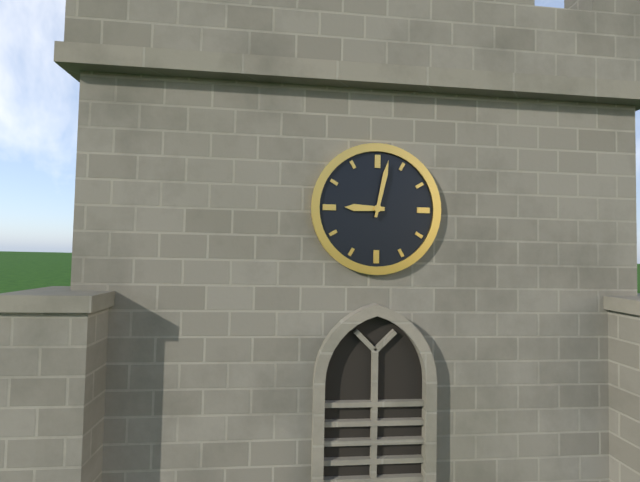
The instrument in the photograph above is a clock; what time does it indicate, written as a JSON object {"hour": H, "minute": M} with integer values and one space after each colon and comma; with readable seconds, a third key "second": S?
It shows {"hour": 9, "minute": 2}
